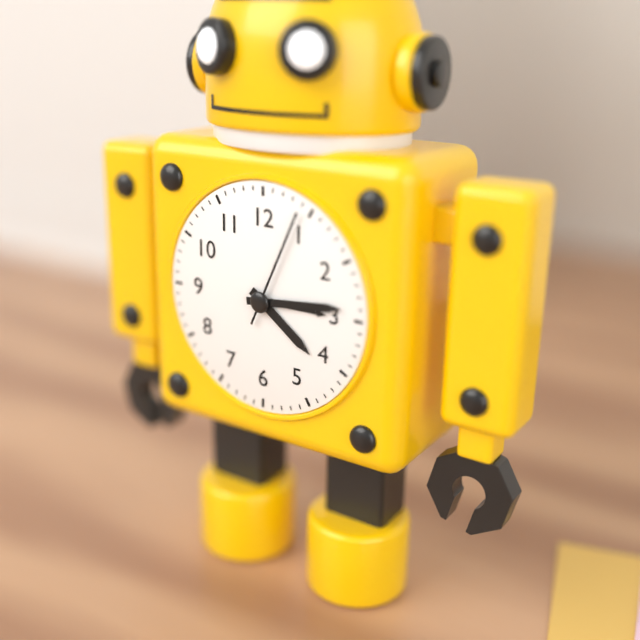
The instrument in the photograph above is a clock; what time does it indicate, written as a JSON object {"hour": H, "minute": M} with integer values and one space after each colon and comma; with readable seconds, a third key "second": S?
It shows {"hour": 4, "minute": 14, "second": 4}
